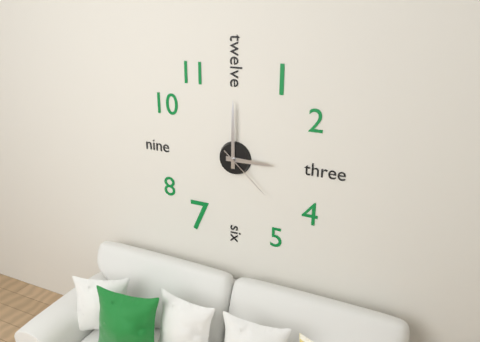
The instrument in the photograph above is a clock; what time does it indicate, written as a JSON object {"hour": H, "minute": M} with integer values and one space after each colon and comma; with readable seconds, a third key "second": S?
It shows {"hour": 3, "minute": 0, "second": 22}
